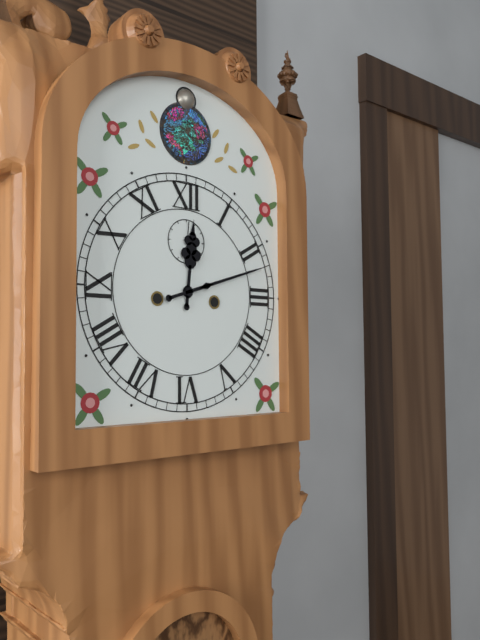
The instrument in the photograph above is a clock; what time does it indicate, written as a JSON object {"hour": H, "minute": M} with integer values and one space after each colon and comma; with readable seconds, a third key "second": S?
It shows {"hour": 12, "minute": 12}
